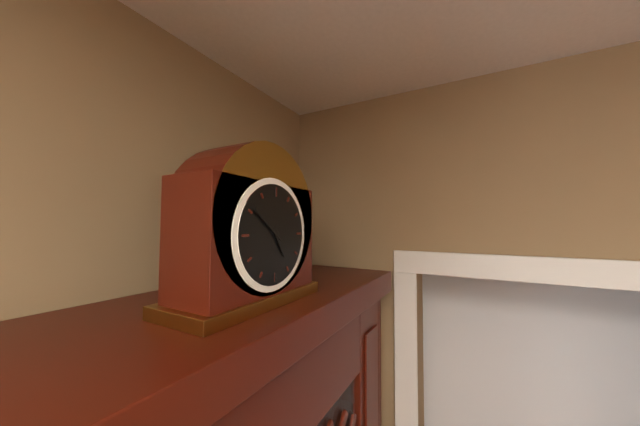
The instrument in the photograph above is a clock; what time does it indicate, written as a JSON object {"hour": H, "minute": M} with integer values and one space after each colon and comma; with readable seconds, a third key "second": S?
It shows {"hour": 4, "minute": 51}
